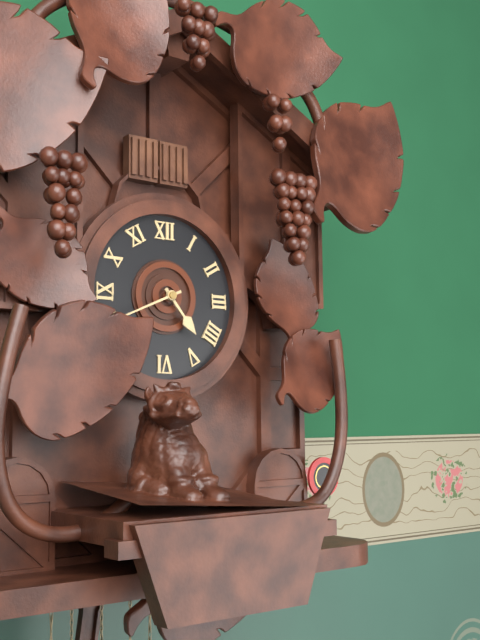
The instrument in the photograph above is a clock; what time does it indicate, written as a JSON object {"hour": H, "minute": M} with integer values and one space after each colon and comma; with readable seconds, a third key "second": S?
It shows {"hour": 4, "minute": 41}
